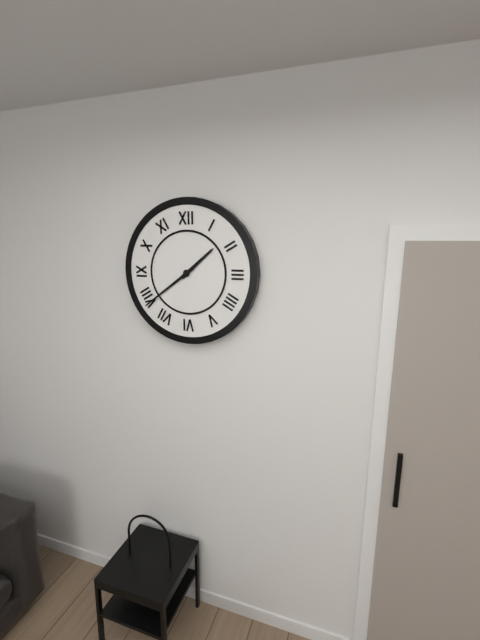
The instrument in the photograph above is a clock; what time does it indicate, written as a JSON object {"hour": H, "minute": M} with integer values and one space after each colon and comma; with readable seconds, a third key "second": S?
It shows {"hour": 1, "minute": 39}
